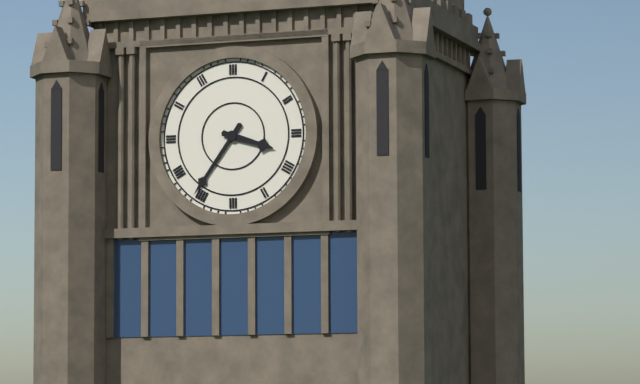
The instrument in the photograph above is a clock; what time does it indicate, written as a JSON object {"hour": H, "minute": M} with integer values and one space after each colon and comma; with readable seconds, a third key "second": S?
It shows {"hour": 3, "minute": 36}
